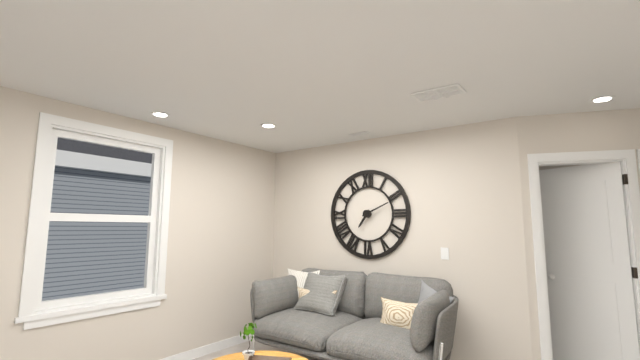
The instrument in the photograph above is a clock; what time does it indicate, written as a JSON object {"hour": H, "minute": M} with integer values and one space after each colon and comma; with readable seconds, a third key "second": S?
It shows {"hour": 7, "minute": 11}
